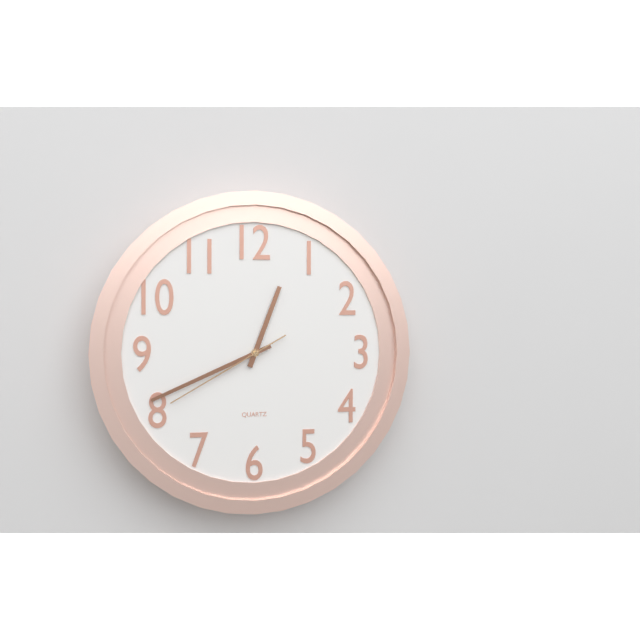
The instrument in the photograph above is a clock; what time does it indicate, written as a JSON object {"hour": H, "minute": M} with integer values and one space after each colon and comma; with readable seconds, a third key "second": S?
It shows {"hour": 12, "minute": 41, "second": 40}
